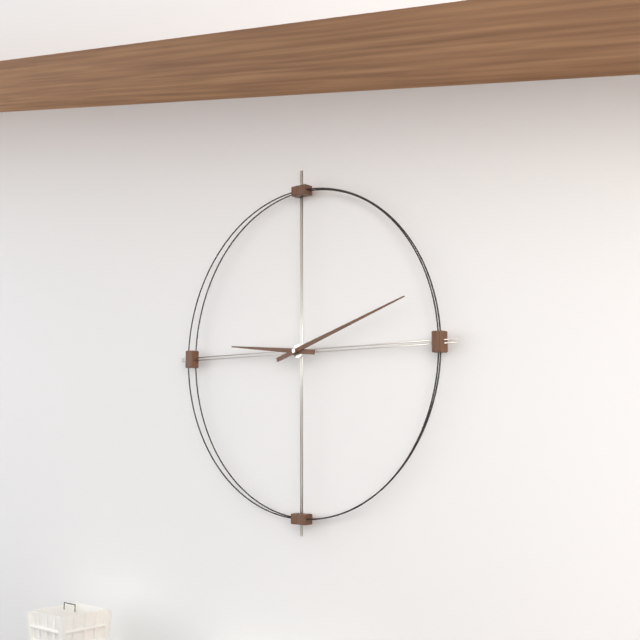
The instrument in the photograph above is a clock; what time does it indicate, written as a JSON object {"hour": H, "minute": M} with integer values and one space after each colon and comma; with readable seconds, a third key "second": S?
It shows {"hour": 9, "minute": 12}
